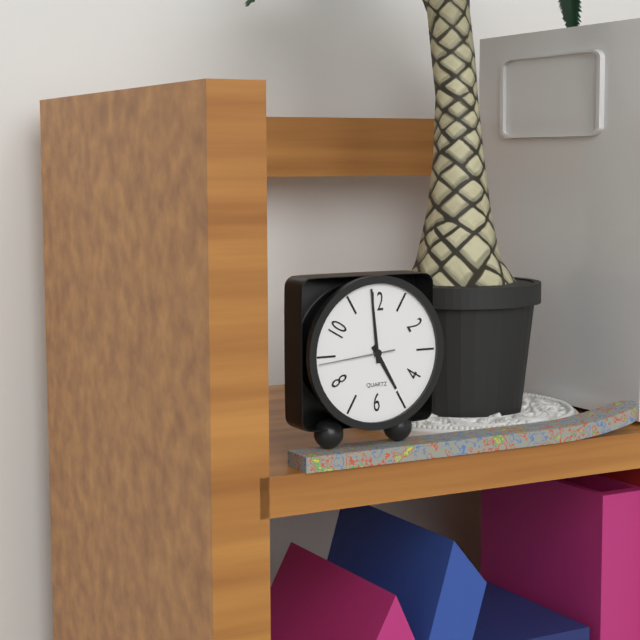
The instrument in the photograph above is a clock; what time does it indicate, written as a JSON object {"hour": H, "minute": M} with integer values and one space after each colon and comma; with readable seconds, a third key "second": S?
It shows {"hour": 4, "minute": 59, "second": 44}
